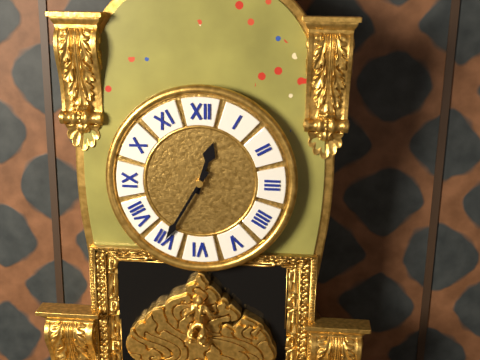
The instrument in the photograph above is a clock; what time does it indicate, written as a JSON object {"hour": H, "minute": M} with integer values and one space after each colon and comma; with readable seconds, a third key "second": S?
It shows {"hour": 12, "minute": 35}
